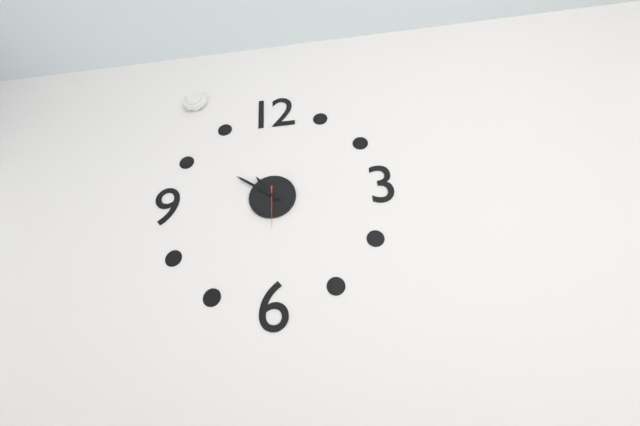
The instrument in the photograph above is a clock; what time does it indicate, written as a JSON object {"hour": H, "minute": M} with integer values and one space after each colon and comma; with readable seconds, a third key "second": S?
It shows {"hour": 10, "minute": 51}
